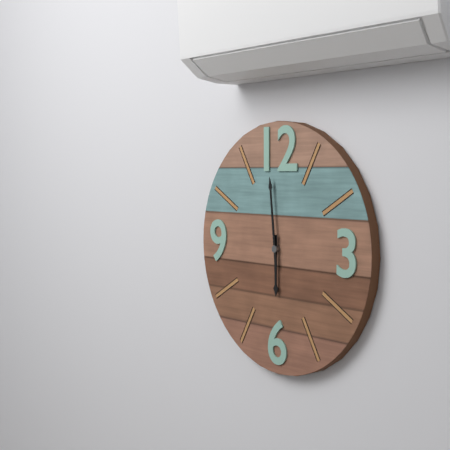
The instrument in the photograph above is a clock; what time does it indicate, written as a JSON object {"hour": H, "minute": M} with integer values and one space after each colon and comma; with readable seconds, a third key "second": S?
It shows {"hour": 5, "minute": 59}
